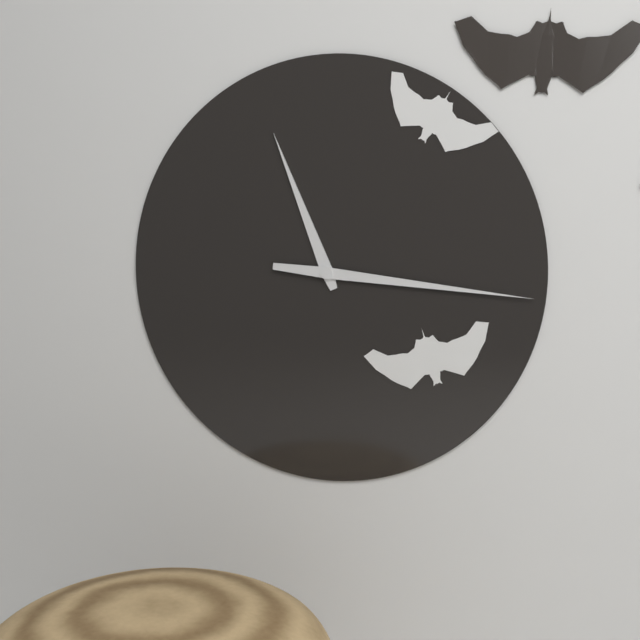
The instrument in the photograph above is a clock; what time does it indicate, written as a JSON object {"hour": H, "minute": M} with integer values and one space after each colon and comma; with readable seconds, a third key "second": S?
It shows {"hour": 11, "minute": 16}
